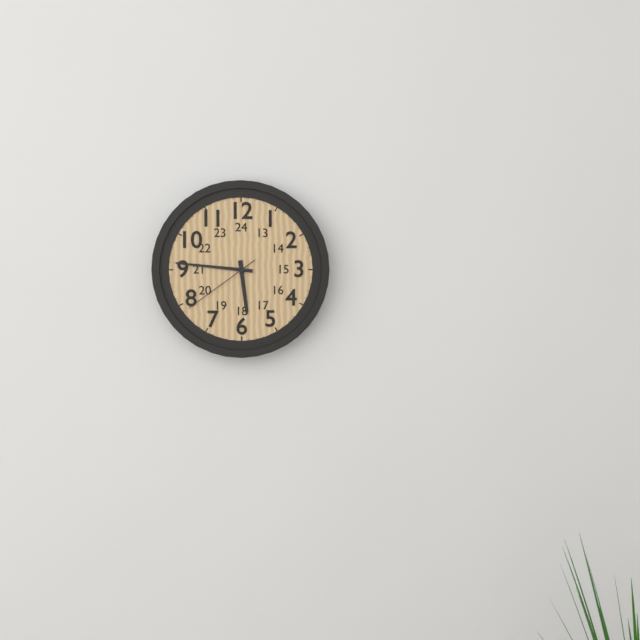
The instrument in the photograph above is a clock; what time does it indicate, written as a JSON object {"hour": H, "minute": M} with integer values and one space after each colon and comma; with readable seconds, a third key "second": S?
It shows {"hour": 5, "minute": 46, "second": 39}
